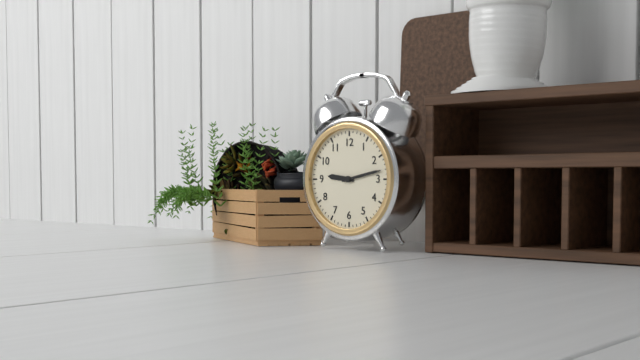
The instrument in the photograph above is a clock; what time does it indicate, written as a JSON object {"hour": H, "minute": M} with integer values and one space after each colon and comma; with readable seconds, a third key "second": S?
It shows {"hour": 9, "minute": 13}
